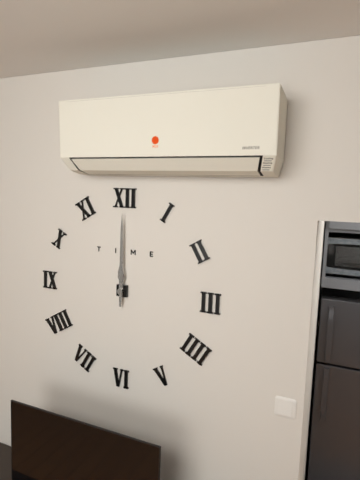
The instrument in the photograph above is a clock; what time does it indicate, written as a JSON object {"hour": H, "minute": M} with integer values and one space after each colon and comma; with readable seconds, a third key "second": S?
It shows {"hour": 12, "minute": 0}
